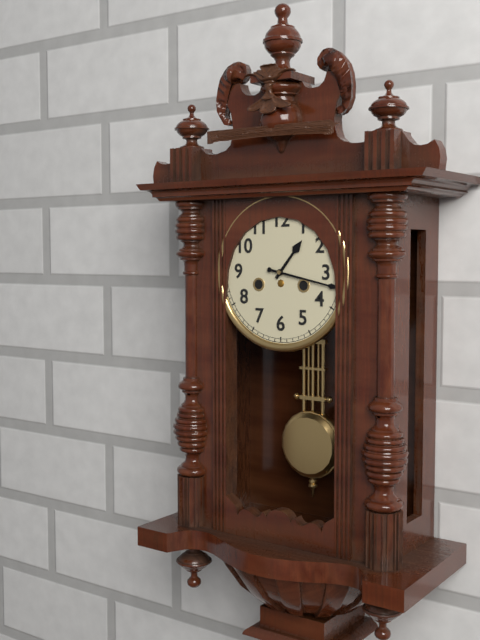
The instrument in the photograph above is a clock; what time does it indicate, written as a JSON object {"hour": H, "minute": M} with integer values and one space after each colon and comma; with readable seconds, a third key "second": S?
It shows {"hour": 1, "minute": 17}
